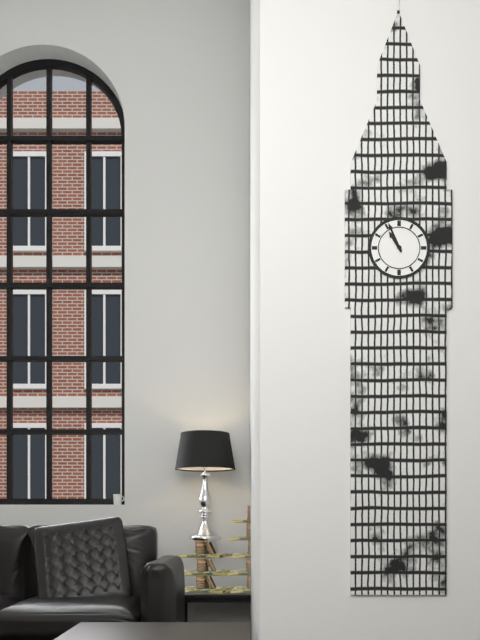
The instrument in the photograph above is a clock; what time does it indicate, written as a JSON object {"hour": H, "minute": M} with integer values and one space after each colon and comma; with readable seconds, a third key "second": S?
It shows {"hour": 10, "minute": 56}
